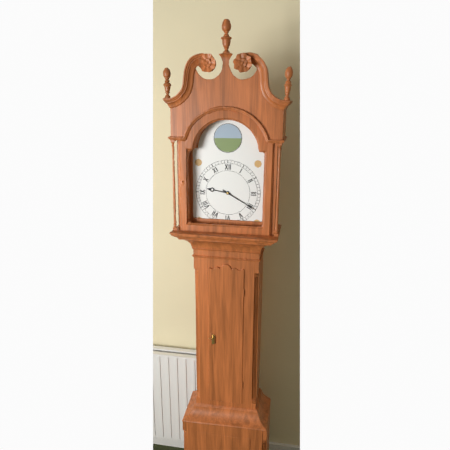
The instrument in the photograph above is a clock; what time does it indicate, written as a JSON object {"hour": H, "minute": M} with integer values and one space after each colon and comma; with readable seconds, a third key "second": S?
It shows {"hour": 9, "minute": 20}
